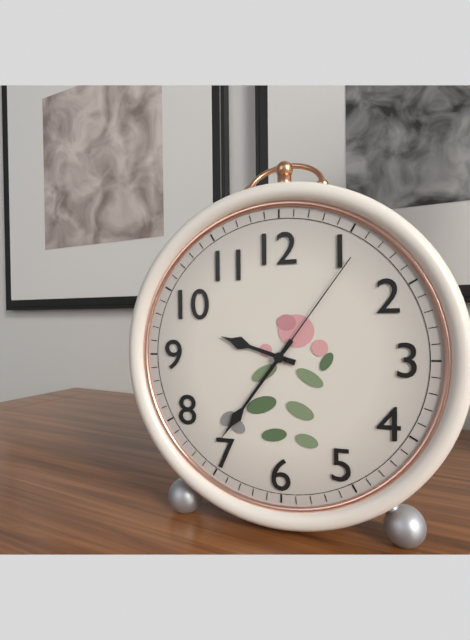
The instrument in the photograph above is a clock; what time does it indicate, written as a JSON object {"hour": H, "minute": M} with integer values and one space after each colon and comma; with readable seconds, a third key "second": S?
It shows {"hour": 9, "minute": 36, "second": 6}
